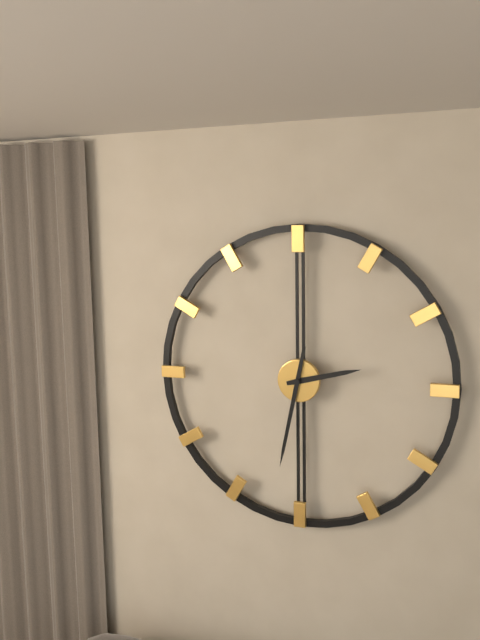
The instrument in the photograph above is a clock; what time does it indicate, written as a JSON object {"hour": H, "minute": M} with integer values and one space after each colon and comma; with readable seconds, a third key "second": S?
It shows {"hour": 2, "minute": 32}
